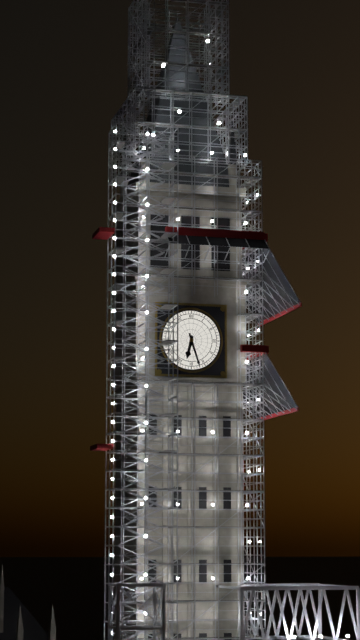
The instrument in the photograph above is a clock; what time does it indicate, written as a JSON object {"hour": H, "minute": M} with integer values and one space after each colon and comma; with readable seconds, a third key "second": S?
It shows {"hour": 6, "minute": 27}
